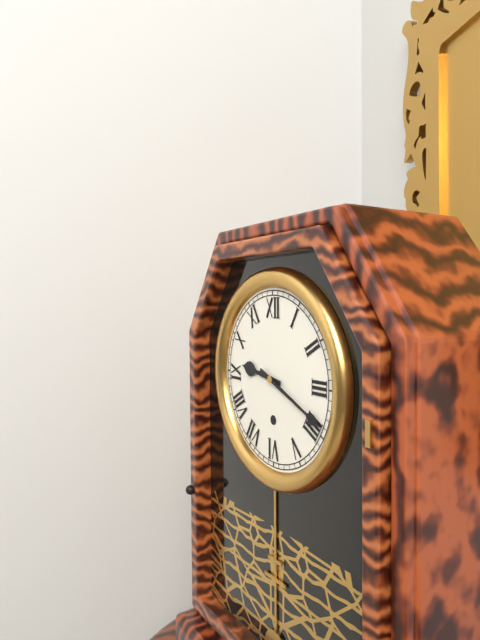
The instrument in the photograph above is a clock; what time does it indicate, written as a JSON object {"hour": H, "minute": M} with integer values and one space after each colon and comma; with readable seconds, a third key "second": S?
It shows {"hour": 9, "minute": 19}
